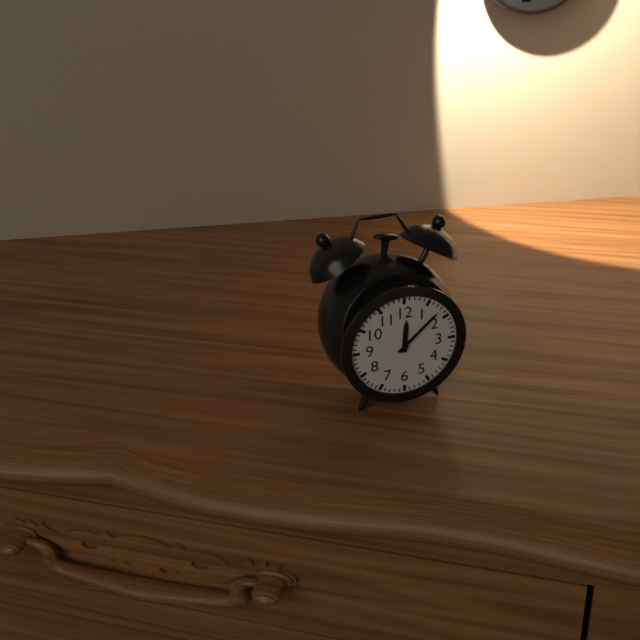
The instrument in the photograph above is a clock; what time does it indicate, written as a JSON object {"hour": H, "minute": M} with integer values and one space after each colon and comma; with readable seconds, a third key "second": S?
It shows {"hour": 12, "minute": 8}
